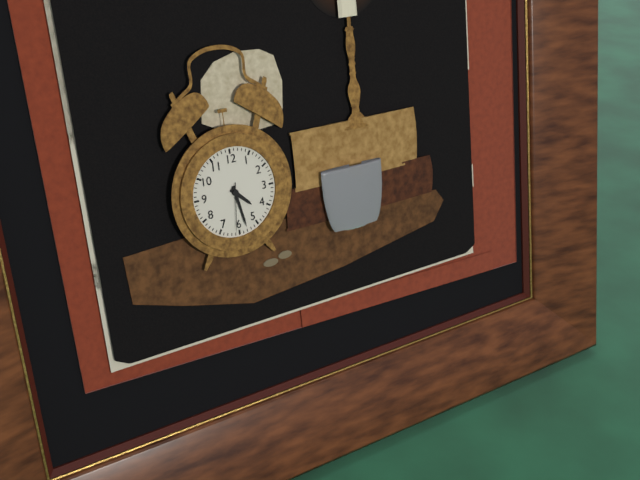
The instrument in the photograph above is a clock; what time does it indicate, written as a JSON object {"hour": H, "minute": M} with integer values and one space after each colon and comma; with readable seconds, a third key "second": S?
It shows {"hour": 4, "minute": 28, "second": 31}
